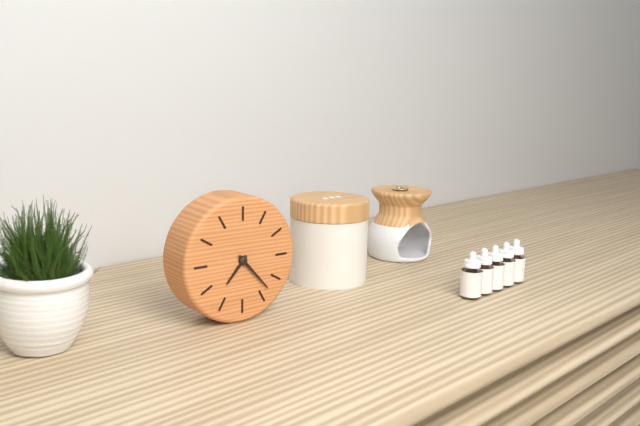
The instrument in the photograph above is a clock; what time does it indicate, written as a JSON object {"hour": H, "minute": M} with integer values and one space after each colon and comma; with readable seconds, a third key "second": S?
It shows {"hour": 7, "minute": 23}
